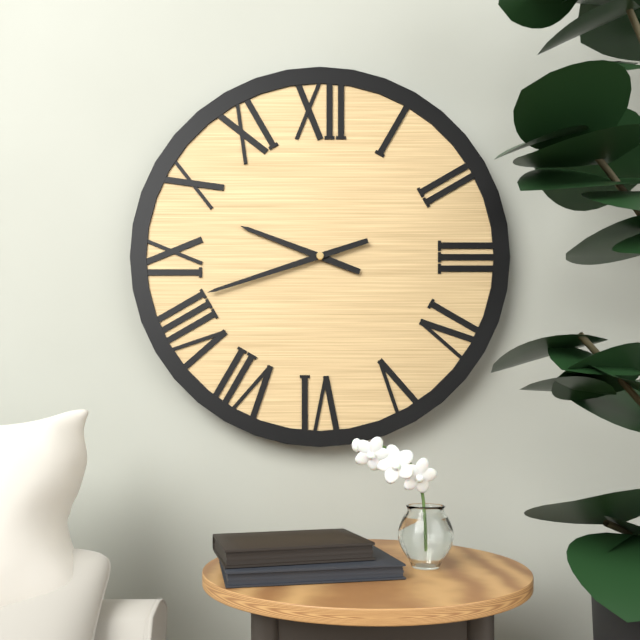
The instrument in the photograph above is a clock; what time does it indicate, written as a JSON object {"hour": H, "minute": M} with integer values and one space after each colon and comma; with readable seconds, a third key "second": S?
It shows {"hour": 9, "minute": 42}
